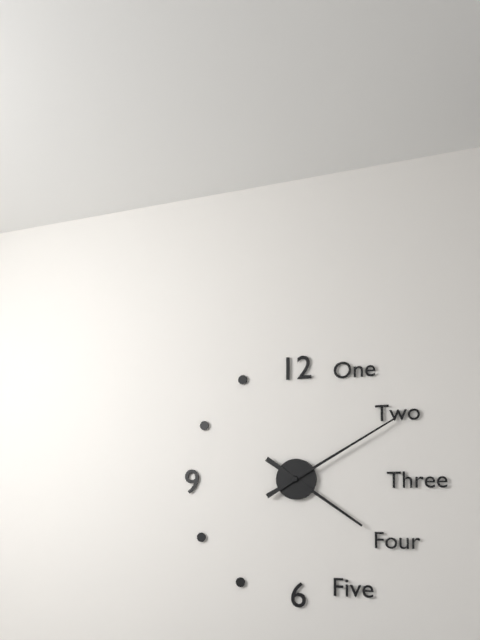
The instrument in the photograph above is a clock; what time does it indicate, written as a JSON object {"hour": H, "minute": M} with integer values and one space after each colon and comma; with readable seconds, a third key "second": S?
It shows {"hour": 4, "minute": 10}
